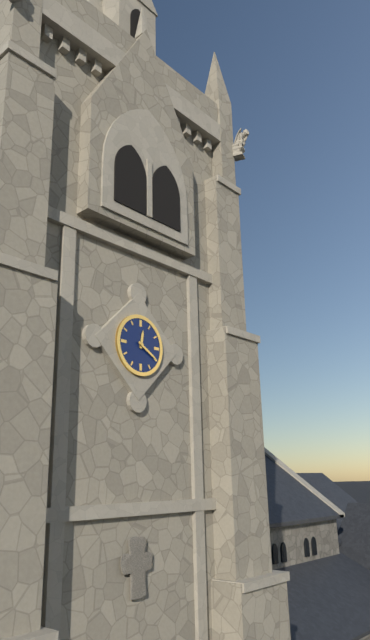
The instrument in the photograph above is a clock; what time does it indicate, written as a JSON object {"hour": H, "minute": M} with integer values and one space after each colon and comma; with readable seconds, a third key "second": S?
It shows {"hour": 12, "minute": 20}
